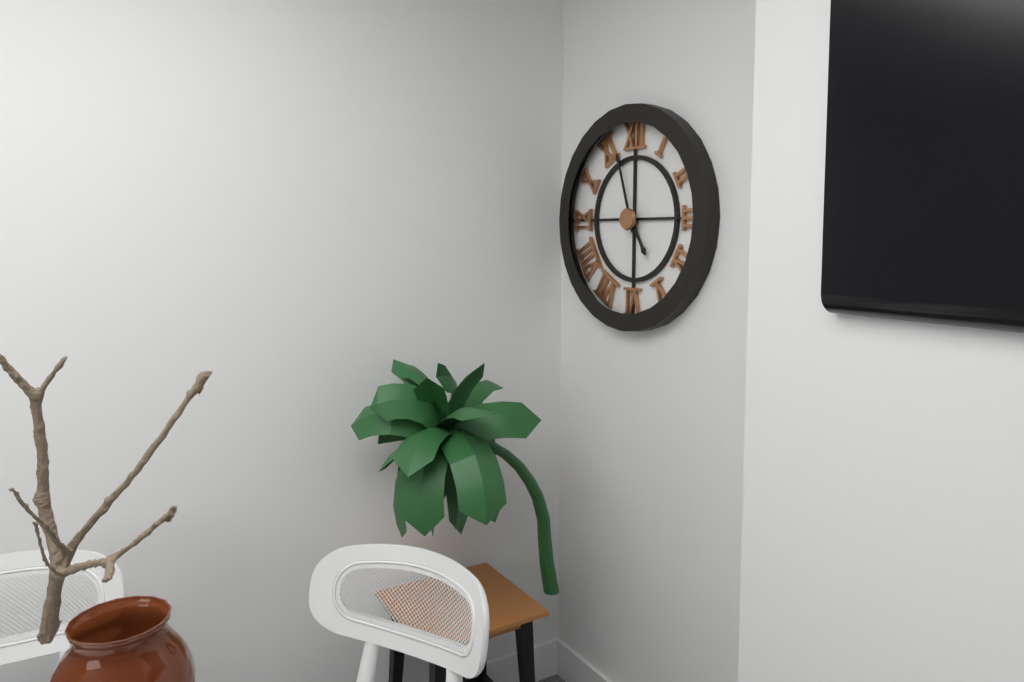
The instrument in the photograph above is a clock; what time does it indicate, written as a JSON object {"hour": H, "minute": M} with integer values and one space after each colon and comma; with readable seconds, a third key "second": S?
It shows {"hour": 4, "minute": 57}
